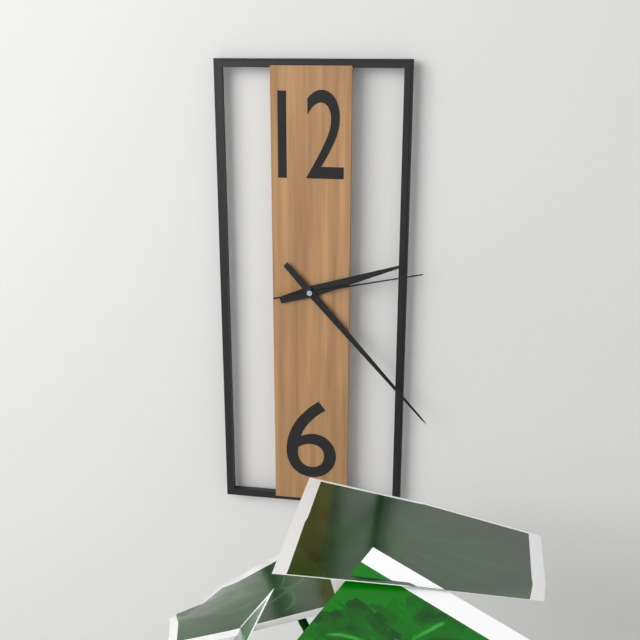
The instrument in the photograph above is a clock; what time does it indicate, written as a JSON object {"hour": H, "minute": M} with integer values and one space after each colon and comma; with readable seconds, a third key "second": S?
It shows {"hour": 2, "minute": 23, "second": 13}
